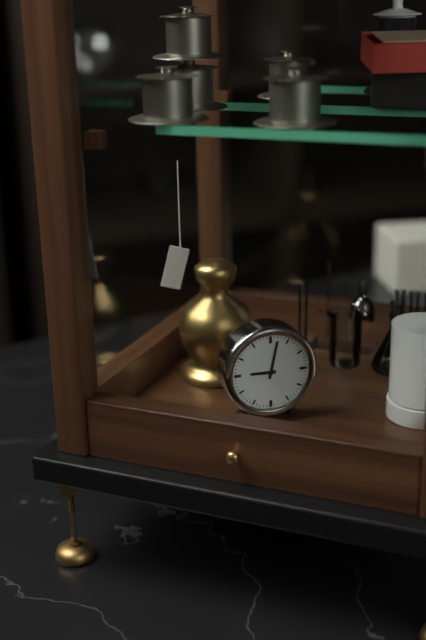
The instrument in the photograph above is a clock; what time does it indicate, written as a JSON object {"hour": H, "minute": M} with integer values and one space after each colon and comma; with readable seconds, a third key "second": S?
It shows {"hour": 9, "minute": 2}
